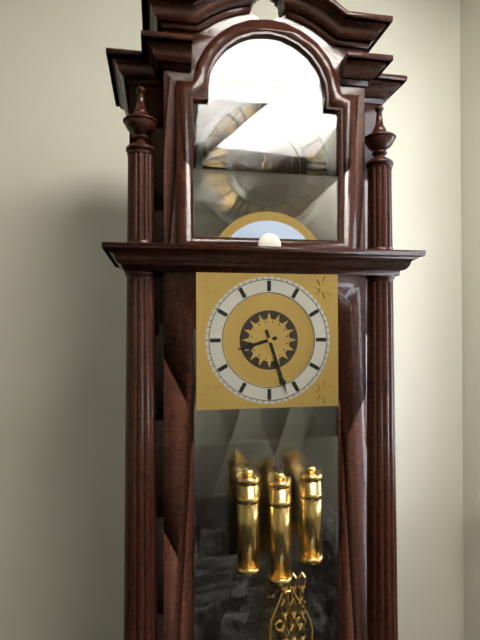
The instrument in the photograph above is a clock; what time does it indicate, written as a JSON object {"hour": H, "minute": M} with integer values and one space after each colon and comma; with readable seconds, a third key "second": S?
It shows {"hour": 8, "minute": 27}
